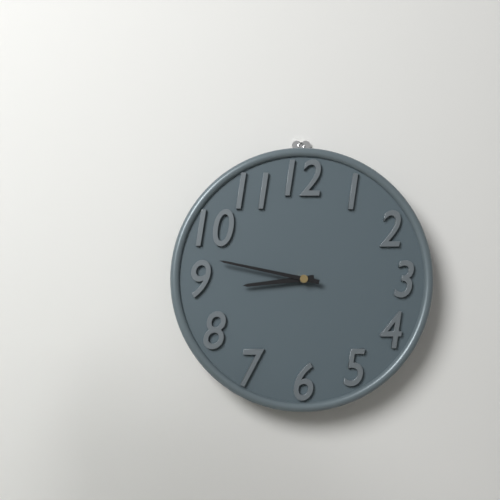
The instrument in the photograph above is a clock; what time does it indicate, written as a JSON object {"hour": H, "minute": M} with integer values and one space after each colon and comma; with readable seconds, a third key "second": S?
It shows {"hour": 8, "minute": 47}
